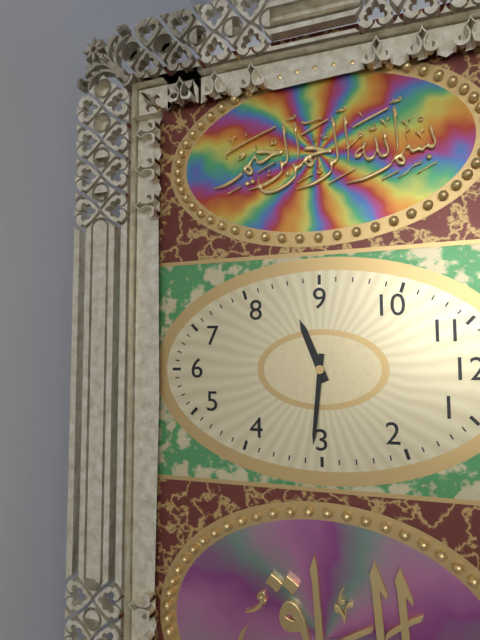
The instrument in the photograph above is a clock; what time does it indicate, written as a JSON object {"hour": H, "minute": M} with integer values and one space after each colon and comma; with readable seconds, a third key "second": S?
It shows {"hour": 8, "minute": 16}
